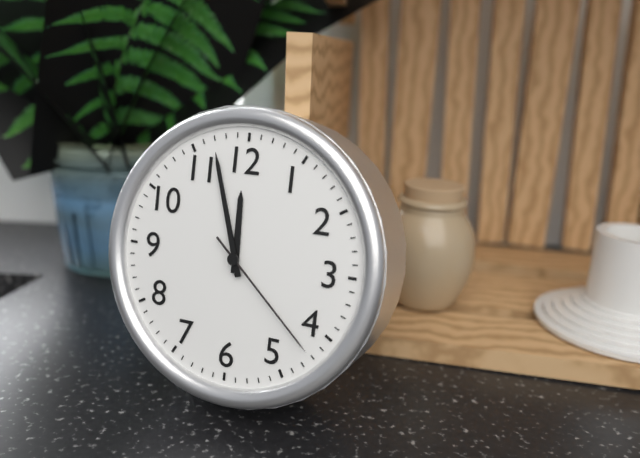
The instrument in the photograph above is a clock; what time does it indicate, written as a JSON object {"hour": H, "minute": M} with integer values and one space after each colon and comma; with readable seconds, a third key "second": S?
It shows {"hour": 11, "minute": 57, "second": 22}
